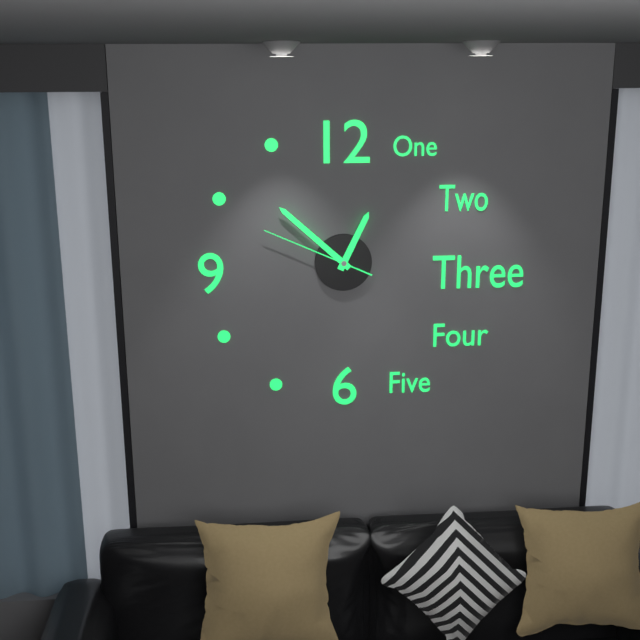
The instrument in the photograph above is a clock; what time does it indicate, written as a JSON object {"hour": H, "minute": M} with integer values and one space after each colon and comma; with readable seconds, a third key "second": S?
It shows {"hour": 12, "minute": 52, "second": 49}
